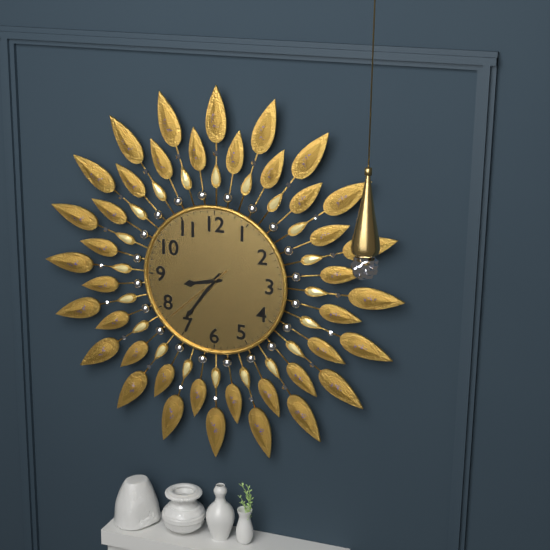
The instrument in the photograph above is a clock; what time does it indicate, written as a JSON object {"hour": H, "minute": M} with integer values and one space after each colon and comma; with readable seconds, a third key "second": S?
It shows {"hour": 8, "minute": 36, "second": 38}
